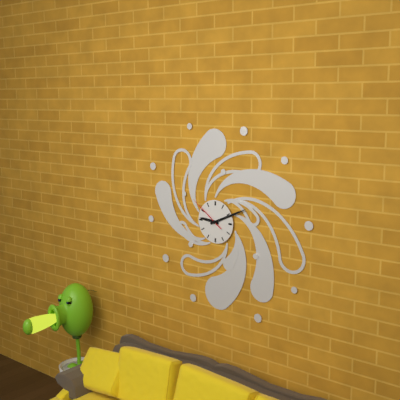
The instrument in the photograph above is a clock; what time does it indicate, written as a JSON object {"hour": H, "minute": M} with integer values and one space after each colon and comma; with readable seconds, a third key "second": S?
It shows {"hour": 9, "minute": 11}
